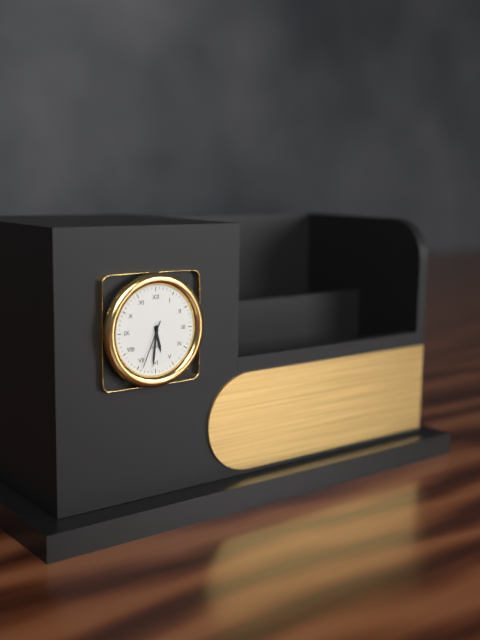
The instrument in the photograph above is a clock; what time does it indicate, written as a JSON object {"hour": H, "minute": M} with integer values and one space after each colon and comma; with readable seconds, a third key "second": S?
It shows {"hour": 5, "minute": 31, "second": 34}
